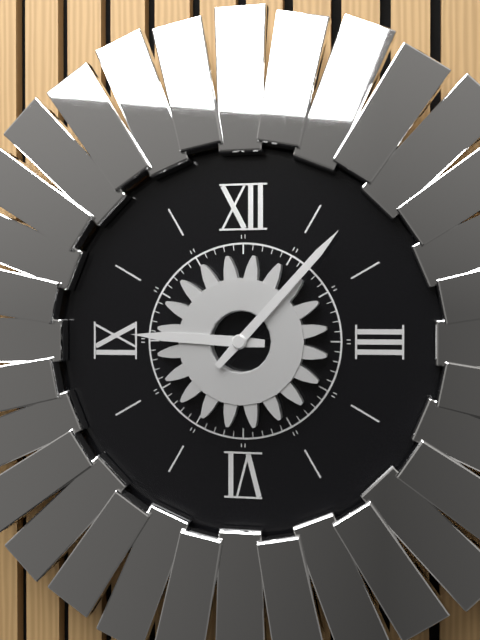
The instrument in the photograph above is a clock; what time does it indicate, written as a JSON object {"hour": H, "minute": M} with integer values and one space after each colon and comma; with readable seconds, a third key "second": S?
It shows {"hour": 9, "minute": 7}
